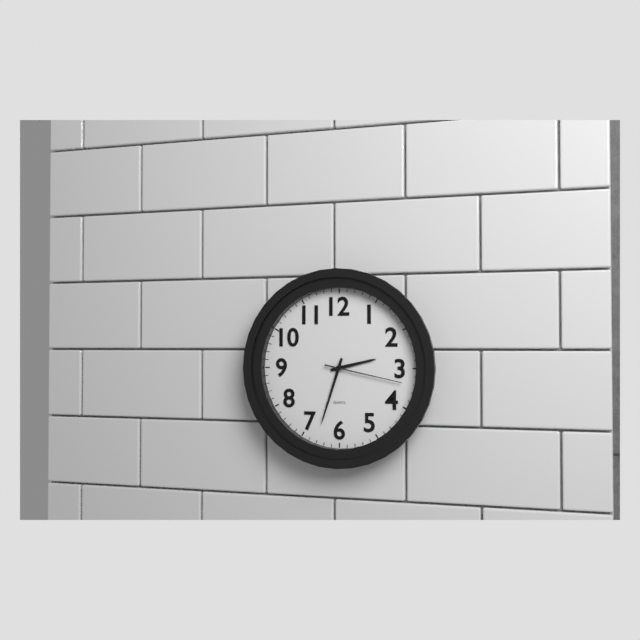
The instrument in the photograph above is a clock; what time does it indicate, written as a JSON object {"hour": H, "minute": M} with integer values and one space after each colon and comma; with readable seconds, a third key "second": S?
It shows {"hour": 2, "minute": 33, "second": 17}
